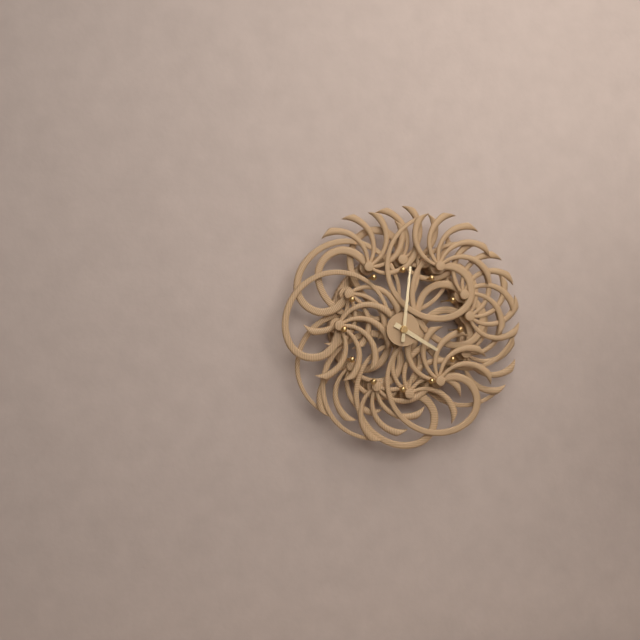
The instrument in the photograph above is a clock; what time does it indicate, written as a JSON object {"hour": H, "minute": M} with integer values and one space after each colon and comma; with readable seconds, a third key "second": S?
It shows {"hour": 4, "minute": 1}
